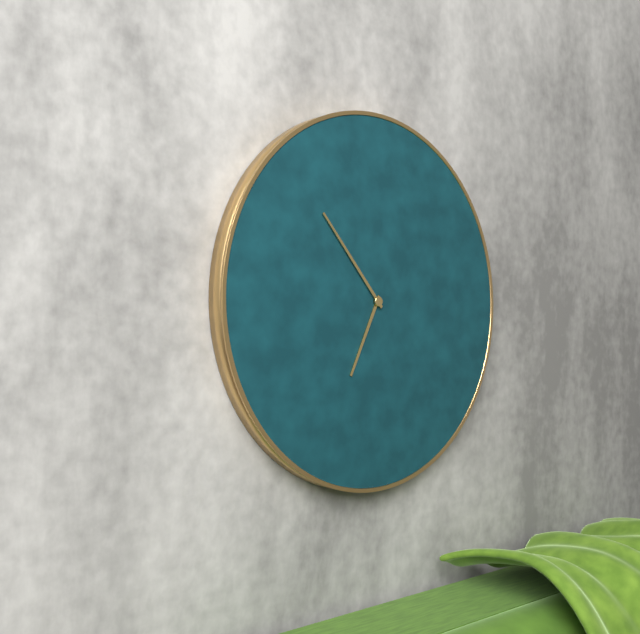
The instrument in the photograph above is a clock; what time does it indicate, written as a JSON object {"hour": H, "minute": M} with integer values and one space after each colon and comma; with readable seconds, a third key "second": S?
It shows {"hour": 6, "minute": 53}
